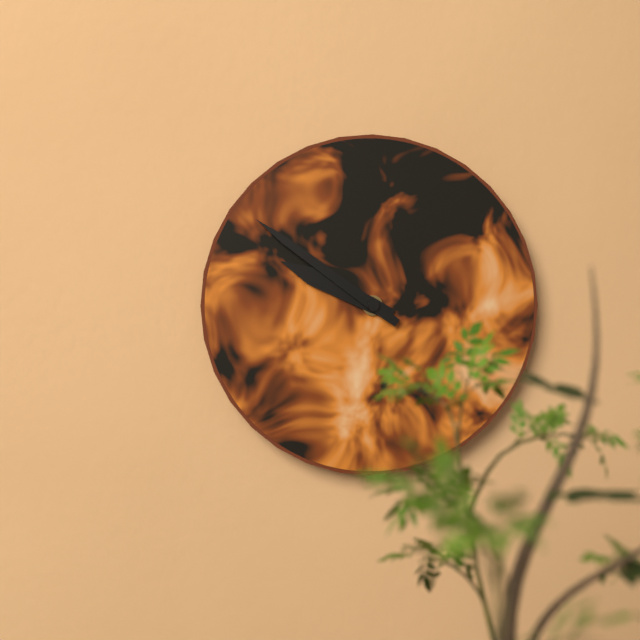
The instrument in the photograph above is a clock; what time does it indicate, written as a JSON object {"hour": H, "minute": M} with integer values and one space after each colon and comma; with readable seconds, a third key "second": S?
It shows {"hour": 9, "minute": 51}
